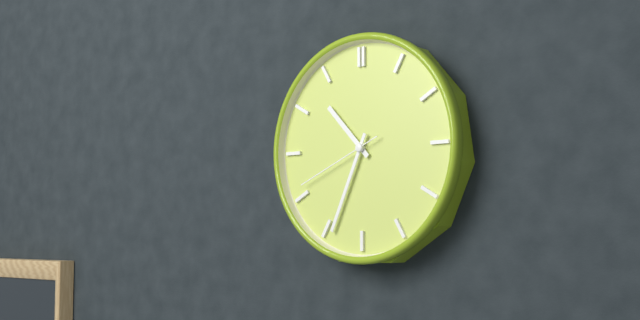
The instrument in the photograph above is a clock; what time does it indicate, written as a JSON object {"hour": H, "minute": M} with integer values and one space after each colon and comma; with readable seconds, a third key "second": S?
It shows {"hour": 10, "minute": 34, "second": 41}
